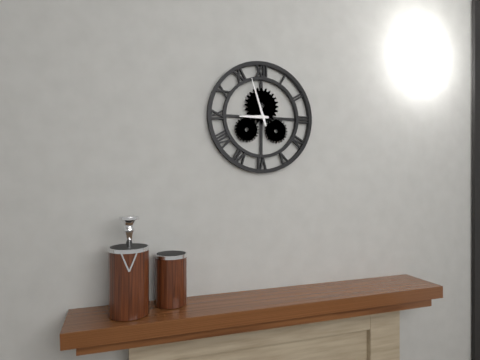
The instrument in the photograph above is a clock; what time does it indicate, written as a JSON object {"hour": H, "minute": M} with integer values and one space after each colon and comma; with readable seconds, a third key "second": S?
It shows {"hour": 8, "minute": 57}
